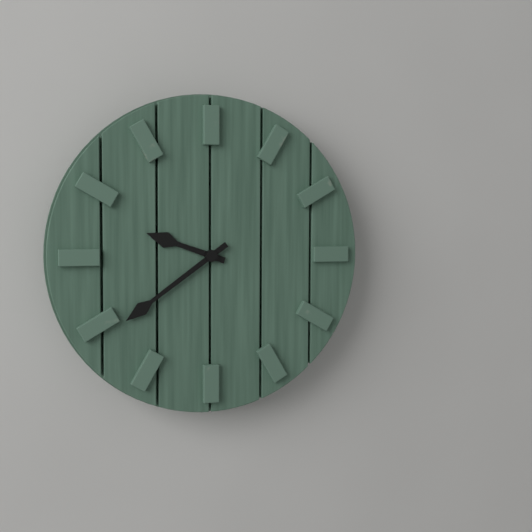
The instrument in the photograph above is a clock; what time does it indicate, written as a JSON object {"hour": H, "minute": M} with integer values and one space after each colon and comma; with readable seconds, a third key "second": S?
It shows {"hour": 9, "minute": 39}
